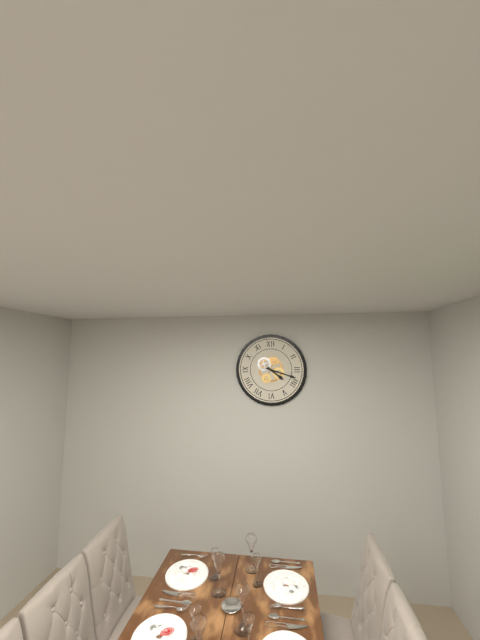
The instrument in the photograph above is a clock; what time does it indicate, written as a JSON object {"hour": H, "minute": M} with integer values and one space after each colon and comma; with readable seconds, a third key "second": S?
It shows {"hour": 4, "minute": 18}
